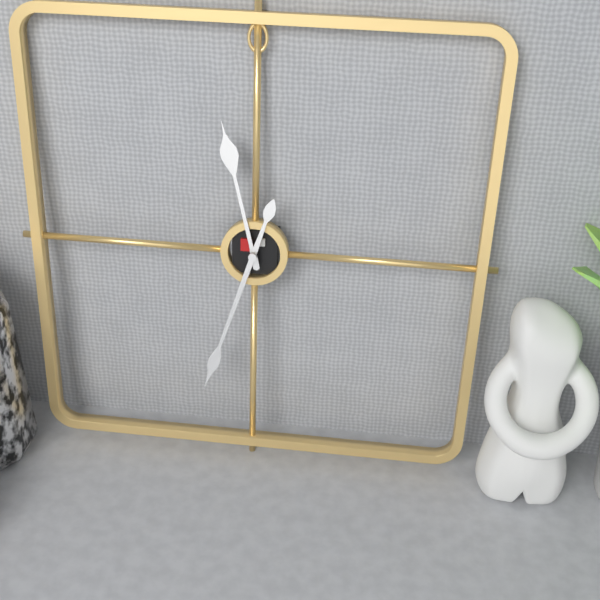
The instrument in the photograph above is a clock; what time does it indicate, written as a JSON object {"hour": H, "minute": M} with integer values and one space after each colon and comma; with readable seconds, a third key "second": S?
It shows {"hour": 11, "minute": 33}
